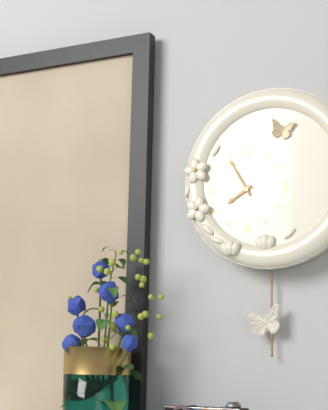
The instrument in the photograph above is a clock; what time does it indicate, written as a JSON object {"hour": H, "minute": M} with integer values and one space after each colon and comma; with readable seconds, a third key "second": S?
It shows {"hour": 7, "minute": 55}
